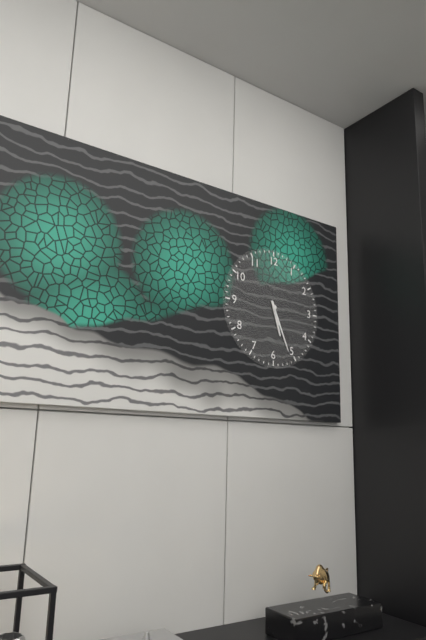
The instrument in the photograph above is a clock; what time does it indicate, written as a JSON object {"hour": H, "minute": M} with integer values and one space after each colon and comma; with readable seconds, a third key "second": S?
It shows {"hour": 5, "minute": 26}
